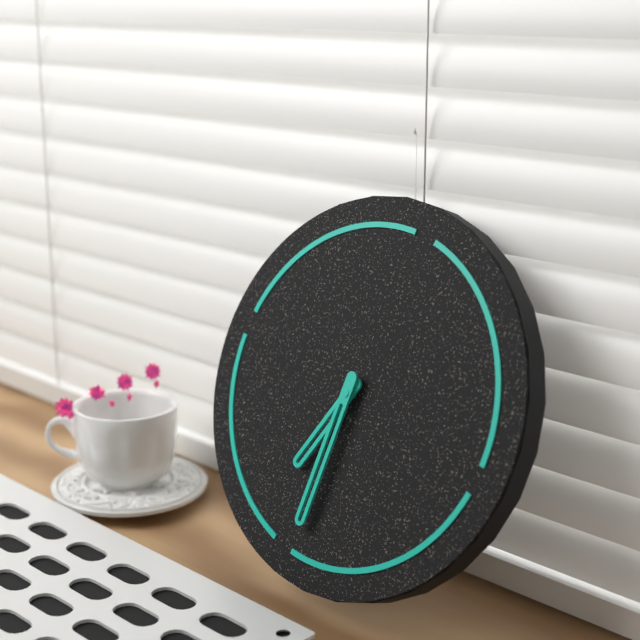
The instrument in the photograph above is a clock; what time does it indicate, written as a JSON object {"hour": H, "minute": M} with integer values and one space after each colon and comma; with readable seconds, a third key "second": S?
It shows {"hour": 6, "minute": 29}
